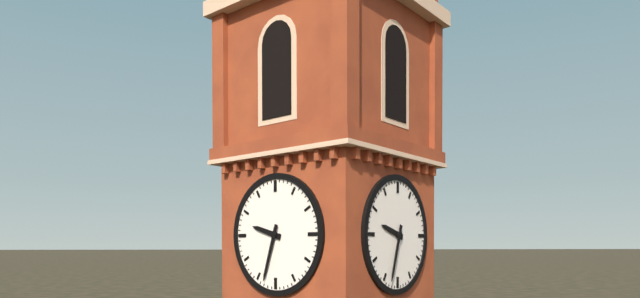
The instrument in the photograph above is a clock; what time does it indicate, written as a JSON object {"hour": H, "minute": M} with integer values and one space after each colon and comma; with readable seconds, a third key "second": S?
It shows {"hour": 9, "minute": 33}
